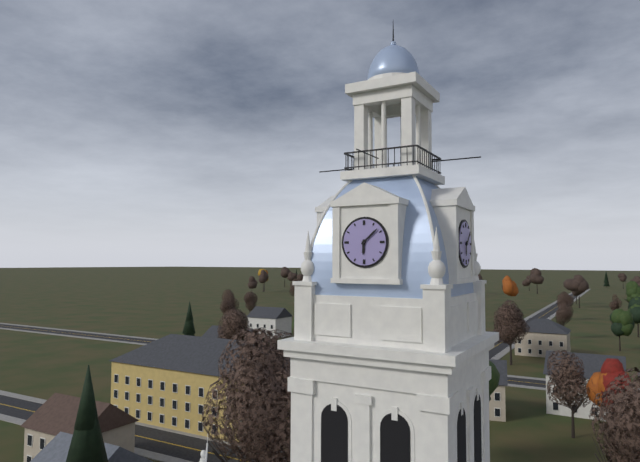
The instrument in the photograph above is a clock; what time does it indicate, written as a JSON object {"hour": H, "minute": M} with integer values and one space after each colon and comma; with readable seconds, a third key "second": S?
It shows {"hour": 6, "minute": 8}
